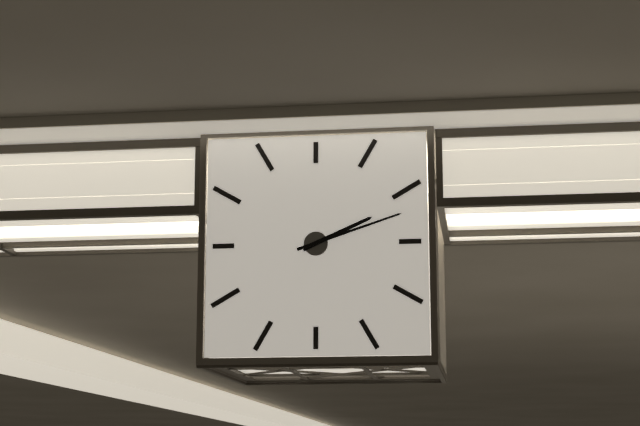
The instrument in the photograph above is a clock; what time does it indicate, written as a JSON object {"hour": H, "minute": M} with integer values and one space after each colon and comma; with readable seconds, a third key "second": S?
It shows {"hour": 2, "minute": 12}
